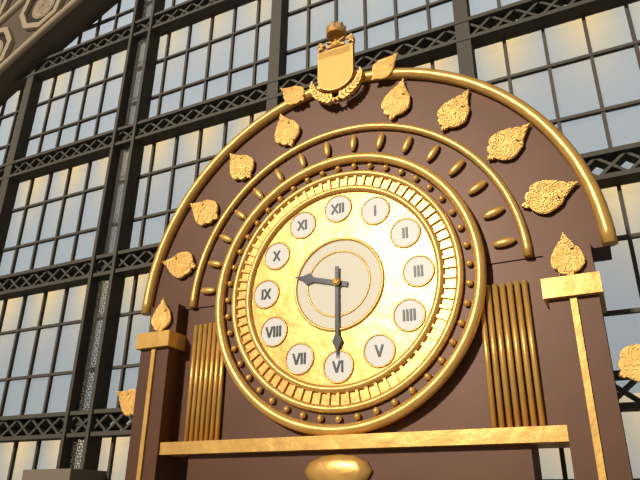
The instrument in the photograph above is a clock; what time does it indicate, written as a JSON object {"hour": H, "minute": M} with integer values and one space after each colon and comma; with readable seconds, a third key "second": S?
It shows {"hour": 9, "minute": 30}
